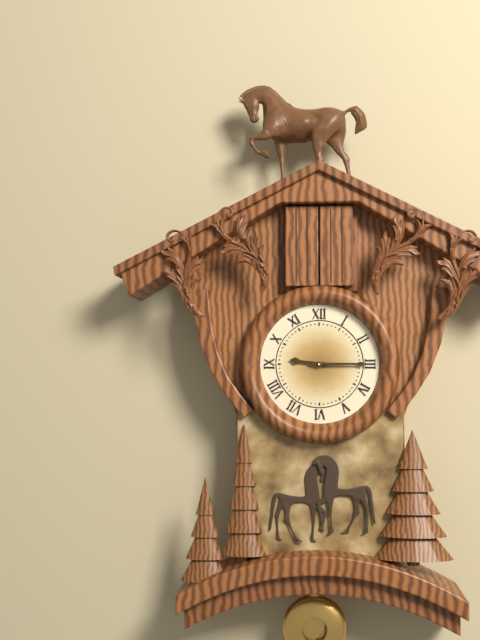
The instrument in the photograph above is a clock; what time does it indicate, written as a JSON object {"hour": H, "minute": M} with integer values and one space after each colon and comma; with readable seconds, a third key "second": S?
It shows {"hour": 9, "minute": 15}
